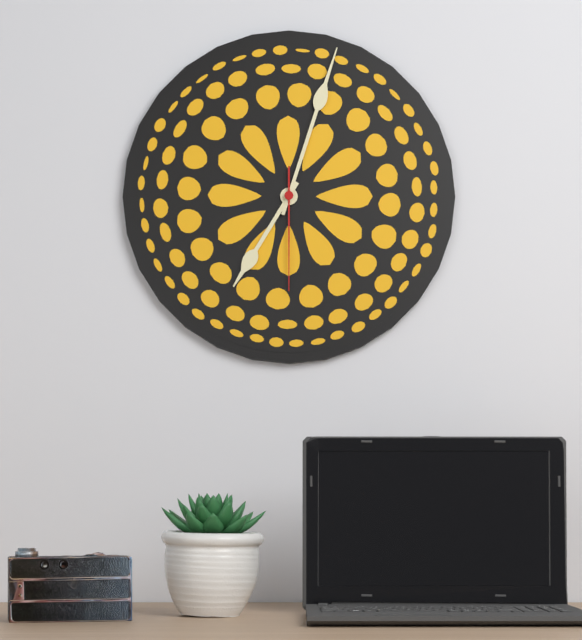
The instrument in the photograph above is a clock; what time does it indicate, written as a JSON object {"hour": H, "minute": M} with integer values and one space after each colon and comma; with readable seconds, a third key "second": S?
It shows {"hour": 7, "minute": 3, "second": 30}
